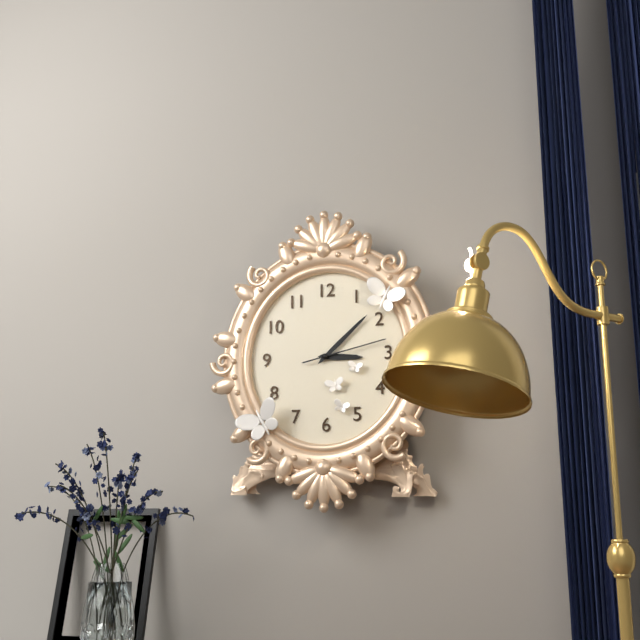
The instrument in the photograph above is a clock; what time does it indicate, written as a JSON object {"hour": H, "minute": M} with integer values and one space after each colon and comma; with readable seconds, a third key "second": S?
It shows {"hour": 3, "minute": 8, "second": 13}
